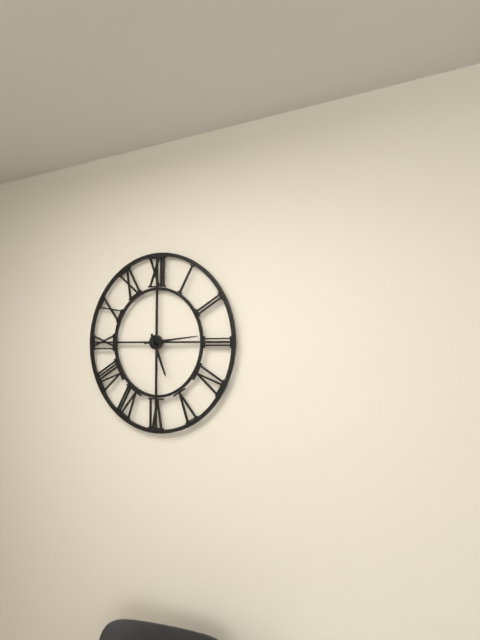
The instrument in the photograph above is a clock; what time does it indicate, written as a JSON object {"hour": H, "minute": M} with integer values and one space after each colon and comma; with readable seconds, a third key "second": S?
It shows {"hour": 5, "minute": 14}
